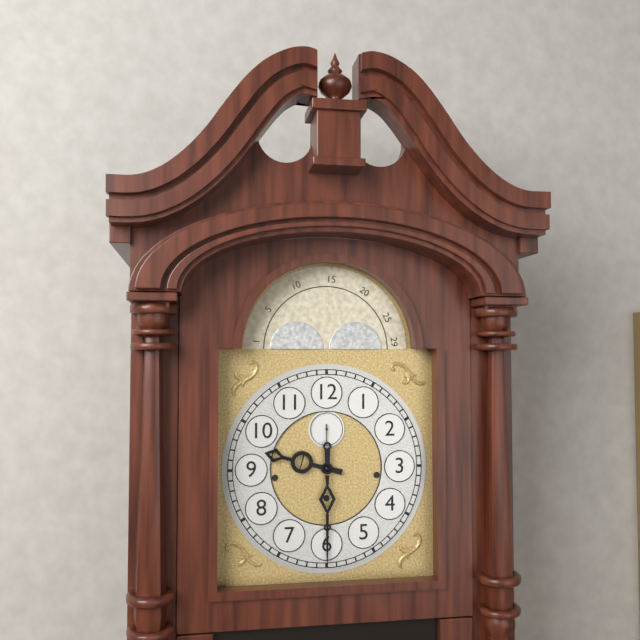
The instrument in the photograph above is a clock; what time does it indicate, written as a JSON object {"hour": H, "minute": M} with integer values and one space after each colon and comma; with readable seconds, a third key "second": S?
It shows {"hour": 9, "minute": 30}
